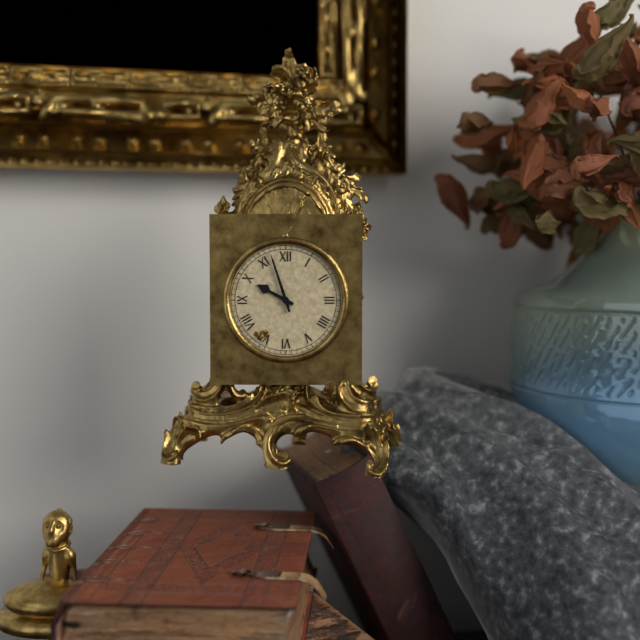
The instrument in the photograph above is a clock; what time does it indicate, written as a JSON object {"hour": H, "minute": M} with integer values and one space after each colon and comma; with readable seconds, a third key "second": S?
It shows {"hour": 9, "minute": 57}
